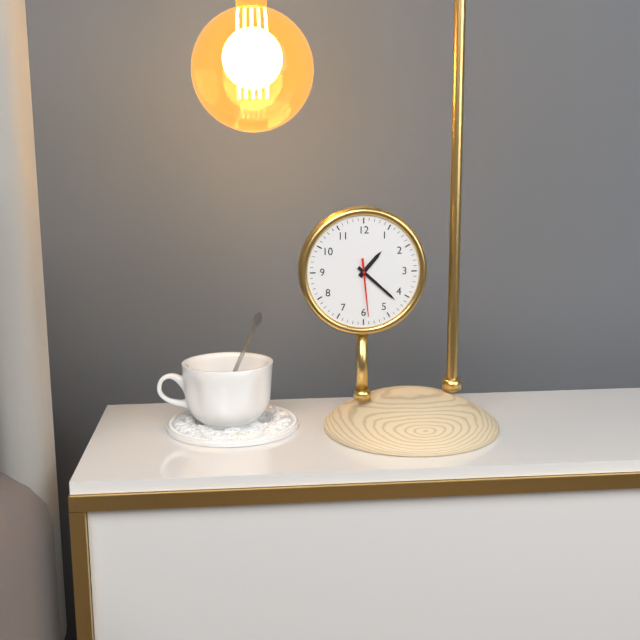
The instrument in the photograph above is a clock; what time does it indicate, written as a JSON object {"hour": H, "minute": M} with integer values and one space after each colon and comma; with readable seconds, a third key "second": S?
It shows {"hour": 1, "minute": 22, "second": 29}
